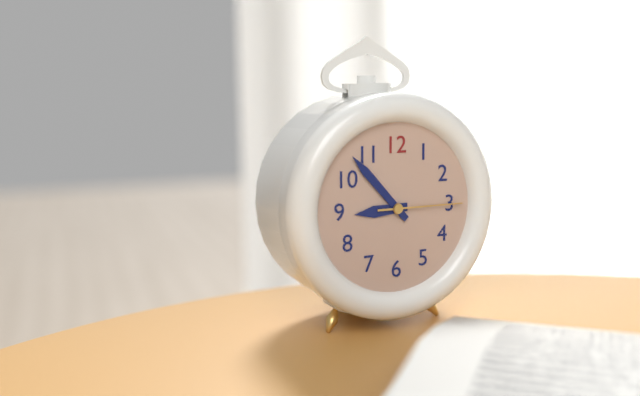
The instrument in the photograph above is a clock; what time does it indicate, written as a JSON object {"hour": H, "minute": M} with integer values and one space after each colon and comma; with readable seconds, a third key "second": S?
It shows {"hour": 8, "minute": 53, "second": 15}
